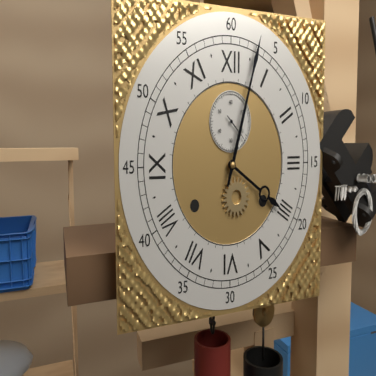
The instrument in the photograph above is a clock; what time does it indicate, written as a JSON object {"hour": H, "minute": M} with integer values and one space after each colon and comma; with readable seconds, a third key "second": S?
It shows {"hour": 4, "minute": 3}
